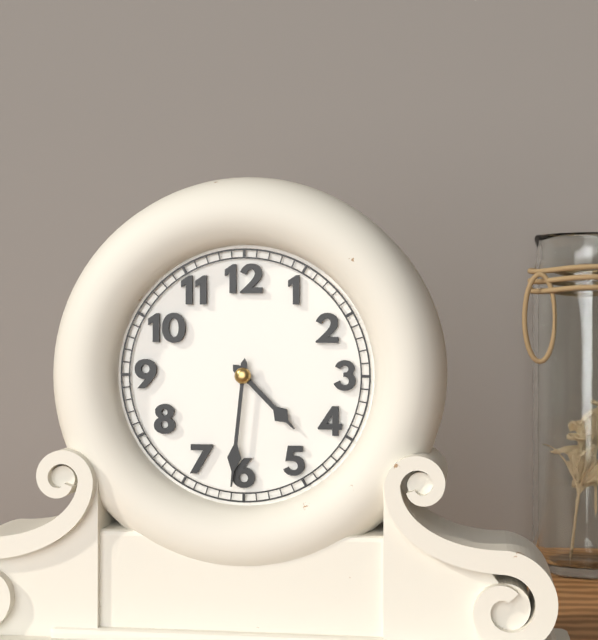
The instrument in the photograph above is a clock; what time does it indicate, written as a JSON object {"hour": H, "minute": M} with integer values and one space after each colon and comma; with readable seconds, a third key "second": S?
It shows {"hour": 4, "minute": 31}
